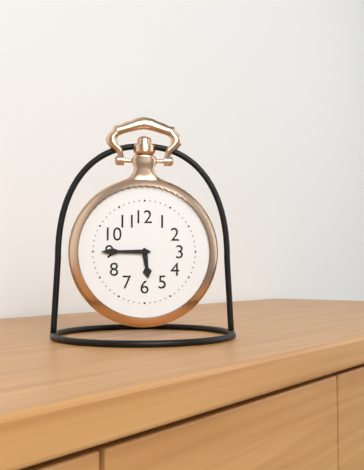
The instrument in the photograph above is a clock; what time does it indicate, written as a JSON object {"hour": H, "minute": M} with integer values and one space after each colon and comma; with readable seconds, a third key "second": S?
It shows {"hour": 5, "minute": 45}
